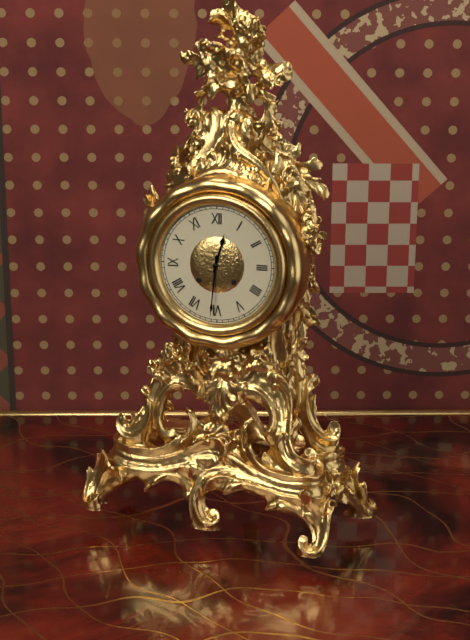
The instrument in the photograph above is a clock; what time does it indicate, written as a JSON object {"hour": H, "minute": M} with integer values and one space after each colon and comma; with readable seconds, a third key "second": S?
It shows {"hour": 12, "minute": 31}
